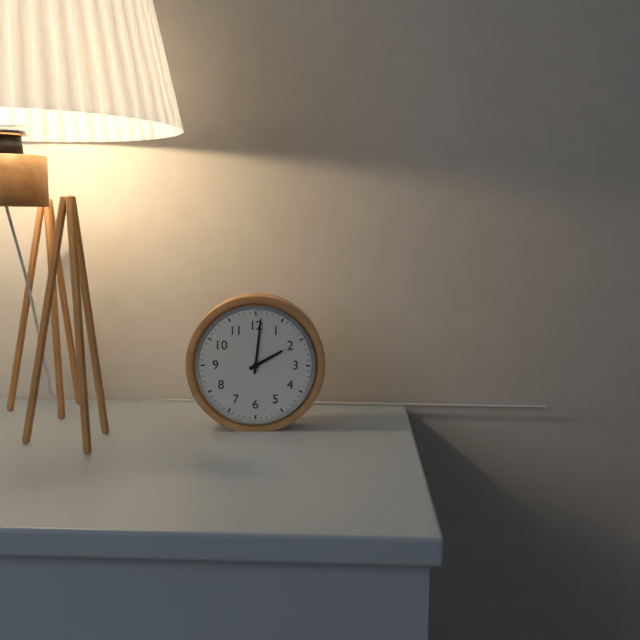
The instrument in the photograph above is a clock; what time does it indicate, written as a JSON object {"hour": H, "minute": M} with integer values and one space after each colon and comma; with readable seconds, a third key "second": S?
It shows {"hour": 2, "minute": 1}
